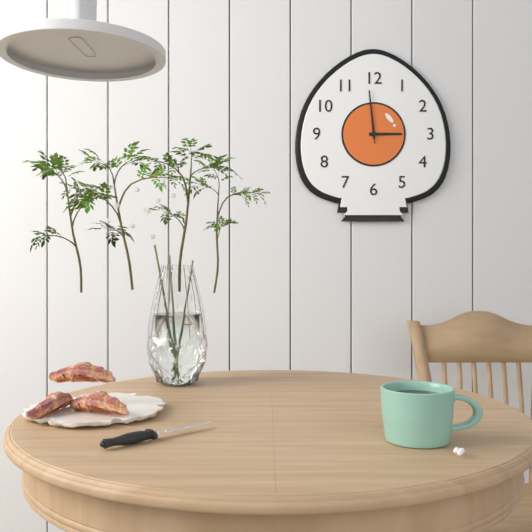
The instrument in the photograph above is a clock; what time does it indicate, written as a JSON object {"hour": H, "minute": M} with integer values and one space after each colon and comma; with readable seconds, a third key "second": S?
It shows {"hour": 2, "minute": 59}
